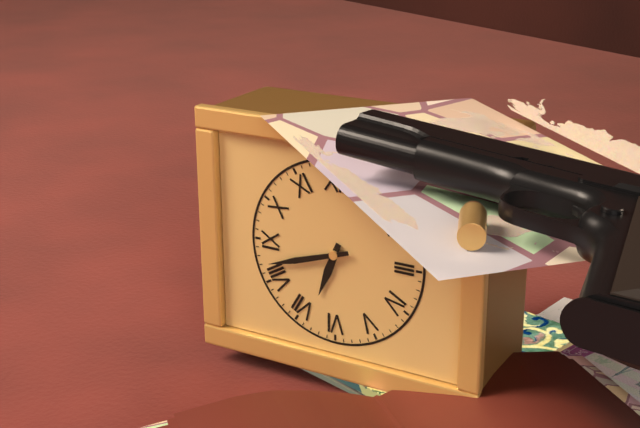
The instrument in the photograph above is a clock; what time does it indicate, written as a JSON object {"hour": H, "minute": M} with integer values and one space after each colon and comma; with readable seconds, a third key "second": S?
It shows {"hour": 6, "minute": 42}
